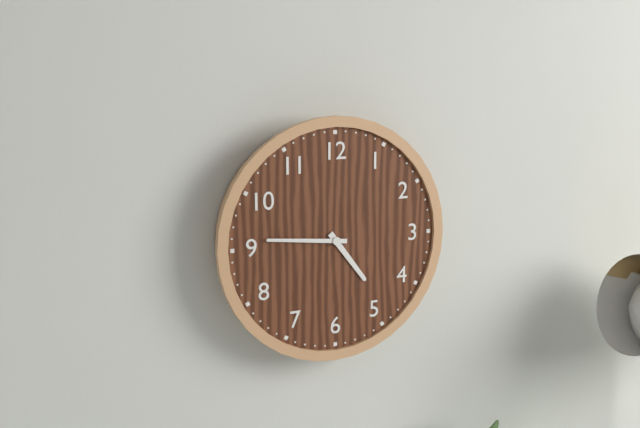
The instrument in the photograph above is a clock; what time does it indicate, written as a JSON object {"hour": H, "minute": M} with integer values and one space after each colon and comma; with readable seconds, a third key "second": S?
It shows {"hour": 4, "minute": 46}
